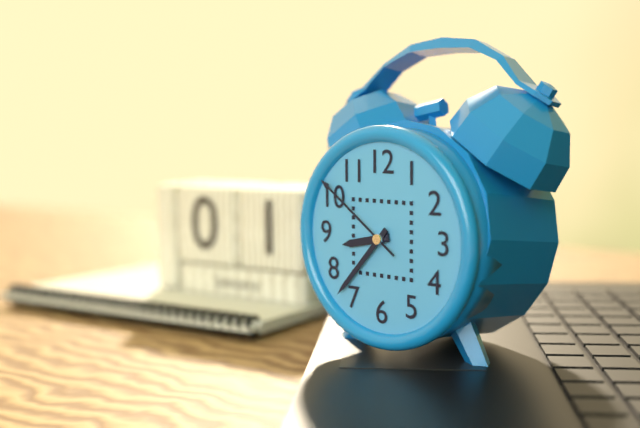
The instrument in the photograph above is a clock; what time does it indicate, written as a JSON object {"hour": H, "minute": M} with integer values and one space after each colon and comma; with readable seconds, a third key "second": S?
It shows {"hour": 8, "minute": 37, "second": 51}
